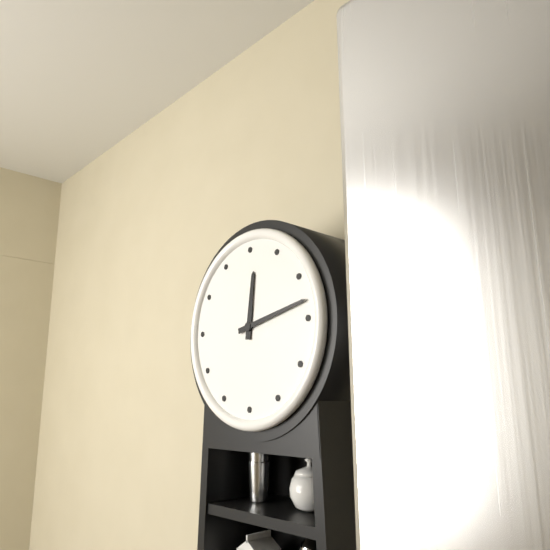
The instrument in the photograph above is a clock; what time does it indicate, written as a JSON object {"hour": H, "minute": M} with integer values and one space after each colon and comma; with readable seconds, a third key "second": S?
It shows {"hour": 12, "minute": 13}
